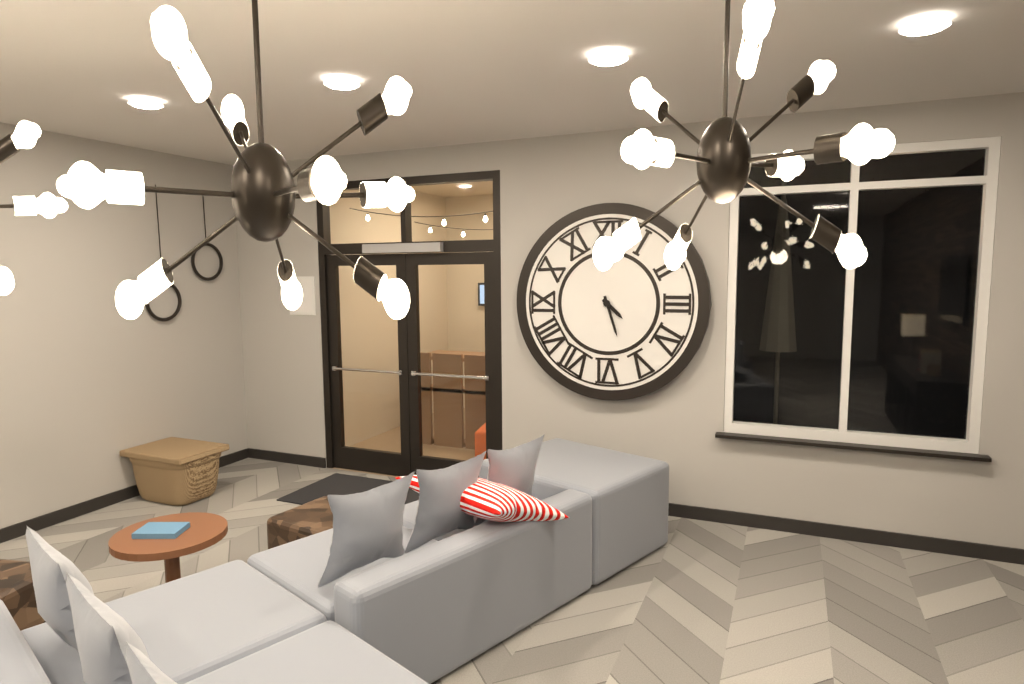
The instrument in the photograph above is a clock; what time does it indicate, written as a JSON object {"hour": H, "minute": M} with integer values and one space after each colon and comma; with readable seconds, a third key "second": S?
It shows {"hour": 4, "minute": 27}
